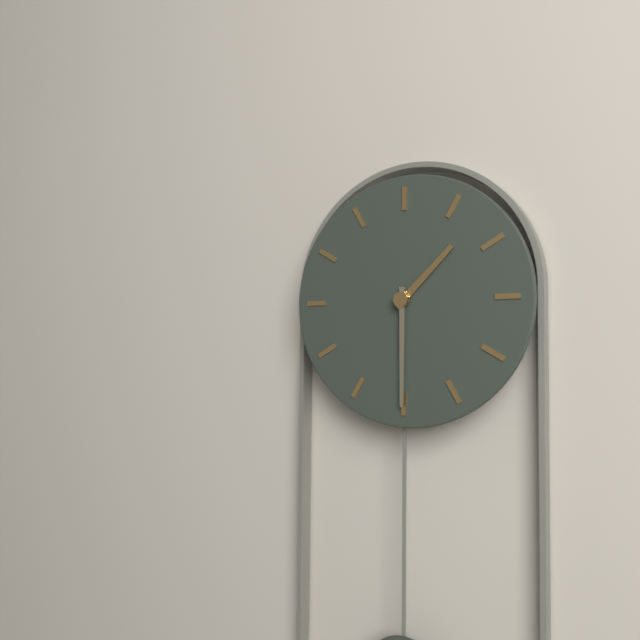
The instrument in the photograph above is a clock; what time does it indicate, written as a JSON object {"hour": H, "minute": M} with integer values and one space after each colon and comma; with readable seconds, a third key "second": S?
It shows {"hour": 1, "minute": 30}
